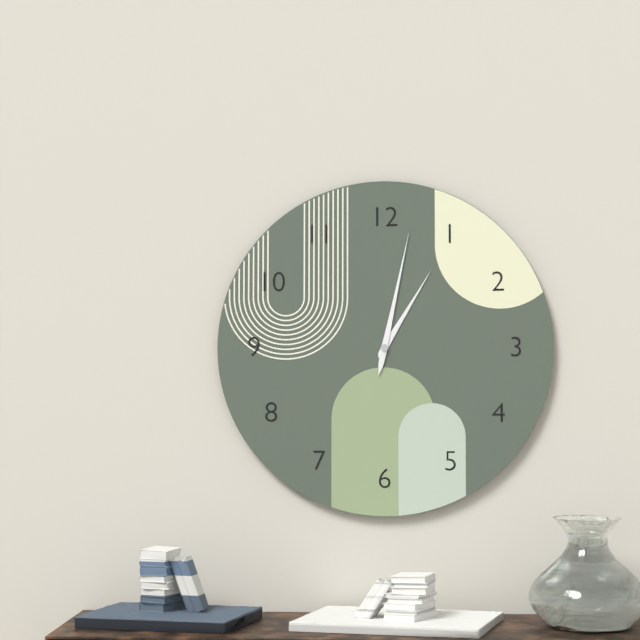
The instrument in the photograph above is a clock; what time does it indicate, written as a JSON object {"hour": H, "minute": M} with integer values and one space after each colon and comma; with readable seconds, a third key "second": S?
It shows {"hour": 1, "minute": 2}
